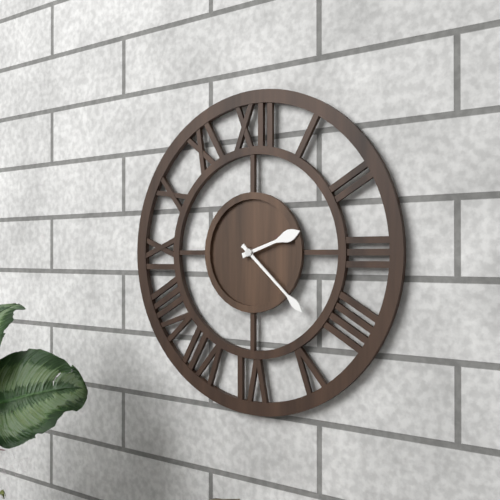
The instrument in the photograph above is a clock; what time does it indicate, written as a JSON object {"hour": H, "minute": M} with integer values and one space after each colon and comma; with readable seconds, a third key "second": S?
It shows {"hour": 2, "minute": 22}
